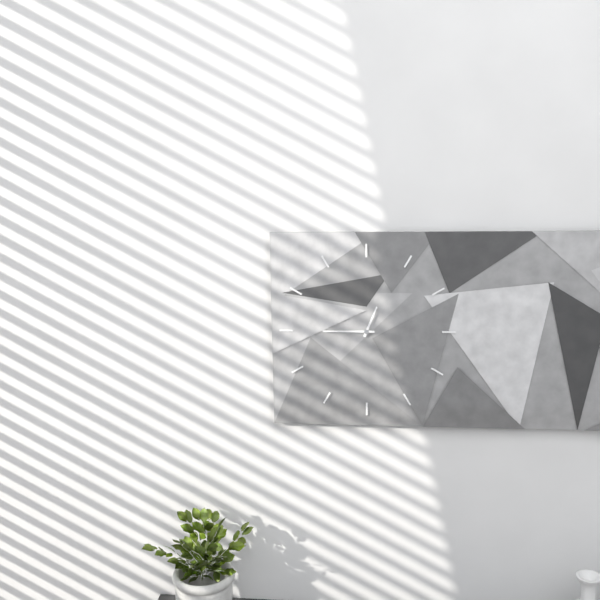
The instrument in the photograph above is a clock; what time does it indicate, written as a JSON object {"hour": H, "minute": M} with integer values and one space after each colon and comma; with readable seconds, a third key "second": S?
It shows {"hour": 12, "minute": 45}
